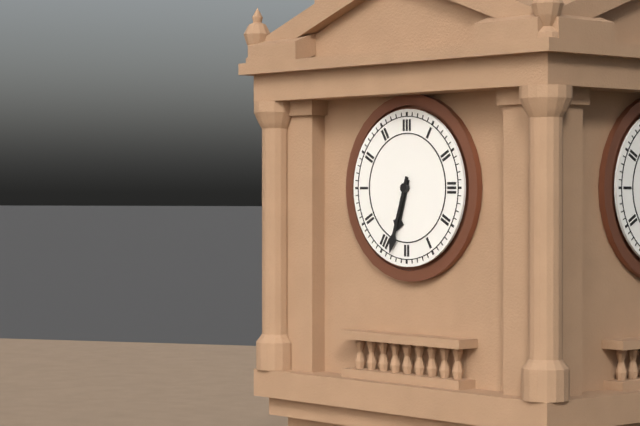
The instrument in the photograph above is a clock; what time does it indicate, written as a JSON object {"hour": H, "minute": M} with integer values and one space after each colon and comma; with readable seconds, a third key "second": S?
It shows {"hour": 6, "minute": 33}
